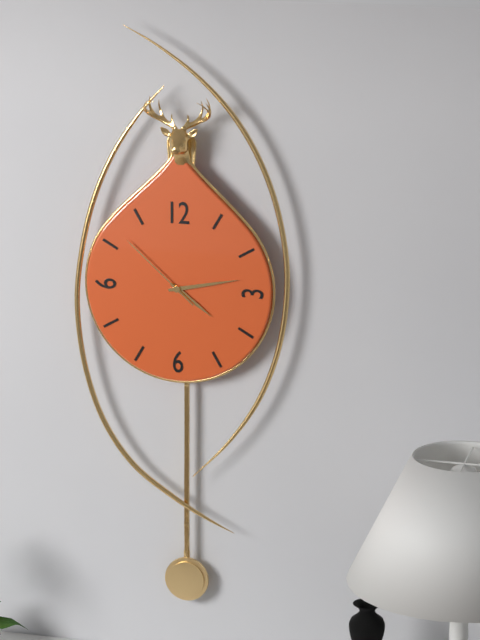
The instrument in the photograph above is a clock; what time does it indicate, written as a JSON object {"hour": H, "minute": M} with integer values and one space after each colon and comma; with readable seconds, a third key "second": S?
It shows {"hour": 4, "minute": 13, "second": 52}
